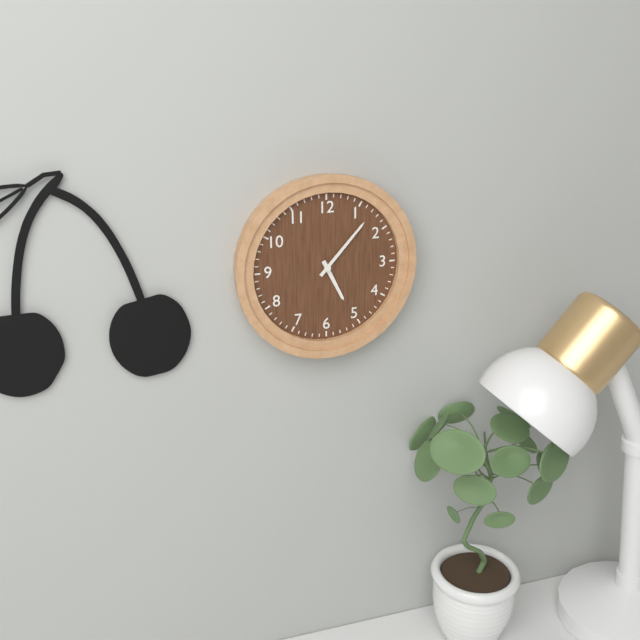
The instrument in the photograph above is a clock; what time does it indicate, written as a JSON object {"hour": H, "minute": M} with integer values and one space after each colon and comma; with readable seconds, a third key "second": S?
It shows {"hour": 5, "minute": 7}
